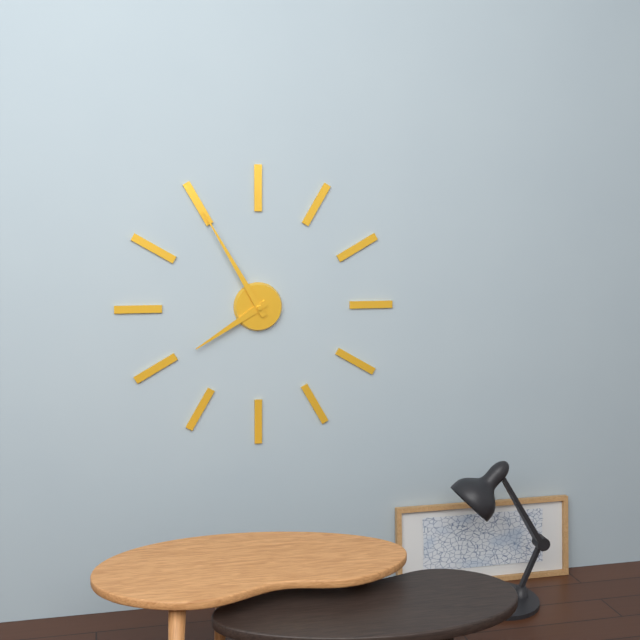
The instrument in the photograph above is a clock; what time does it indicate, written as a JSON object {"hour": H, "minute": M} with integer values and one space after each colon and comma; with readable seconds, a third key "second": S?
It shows {"hour": 7, "minute": 55}
